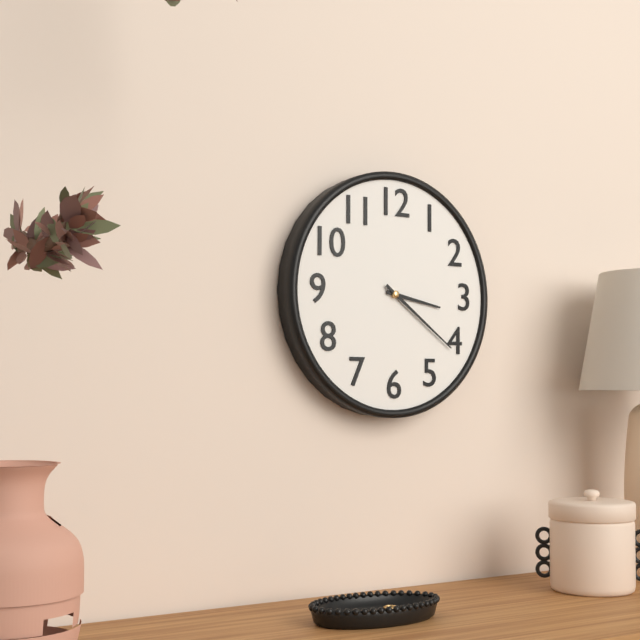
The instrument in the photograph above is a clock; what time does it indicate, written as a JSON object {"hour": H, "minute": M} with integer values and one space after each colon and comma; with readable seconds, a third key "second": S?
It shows {"hour": 3, "minute": 21}
